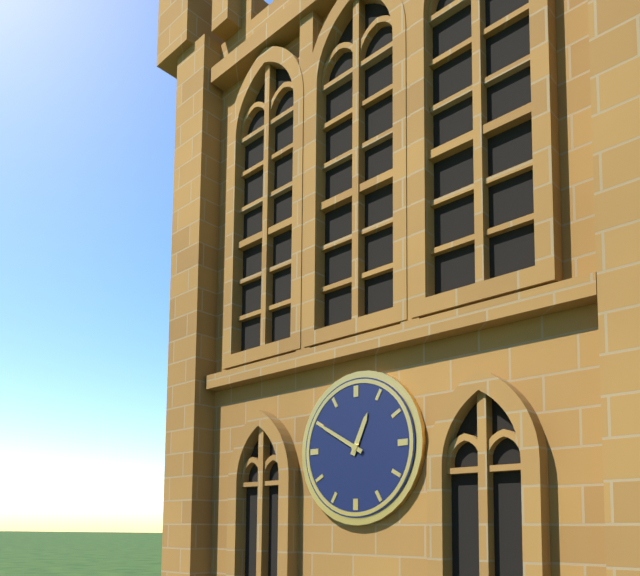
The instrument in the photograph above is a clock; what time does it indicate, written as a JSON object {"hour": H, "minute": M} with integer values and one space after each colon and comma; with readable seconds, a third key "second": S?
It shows {"hour": 12, "minute": 50}
